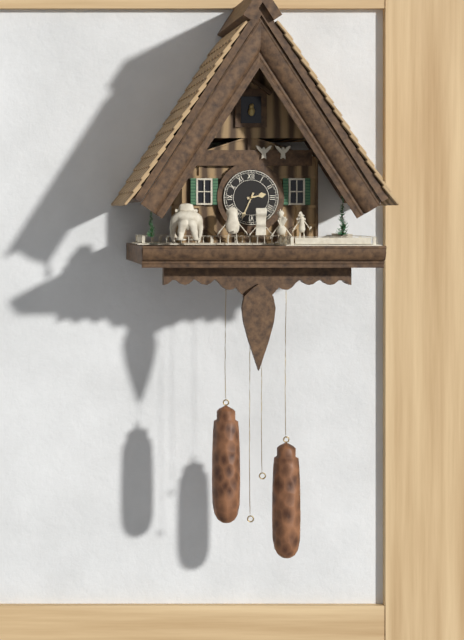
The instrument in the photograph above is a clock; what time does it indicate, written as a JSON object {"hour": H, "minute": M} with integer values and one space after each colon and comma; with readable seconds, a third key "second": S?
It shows {"hour": 2, "minute": 34}
